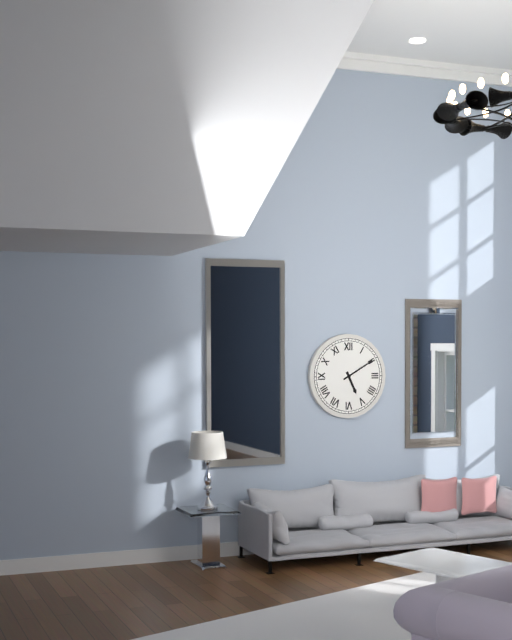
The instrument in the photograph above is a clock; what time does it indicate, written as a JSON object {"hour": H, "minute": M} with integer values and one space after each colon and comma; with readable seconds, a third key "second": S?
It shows {"hour": 5, "minute": 10}
